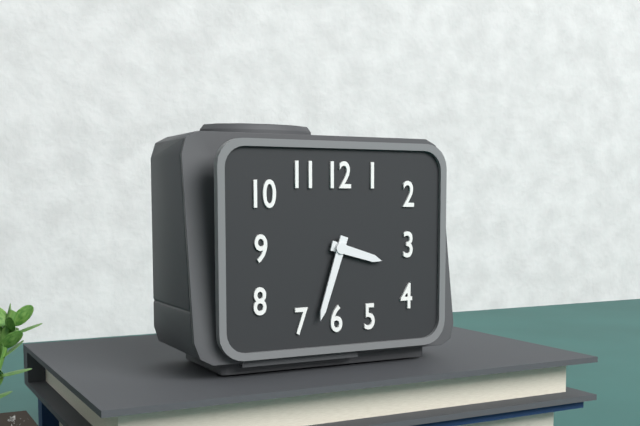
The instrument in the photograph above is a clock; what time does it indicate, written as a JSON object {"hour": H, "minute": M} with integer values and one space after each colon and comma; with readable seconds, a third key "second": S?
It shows {"hour": 3, "minute": 33}
